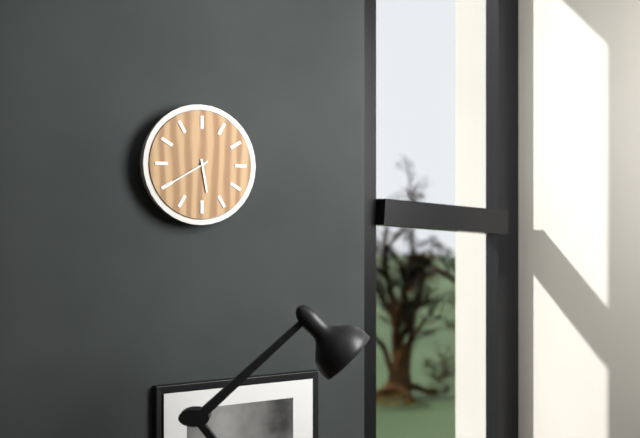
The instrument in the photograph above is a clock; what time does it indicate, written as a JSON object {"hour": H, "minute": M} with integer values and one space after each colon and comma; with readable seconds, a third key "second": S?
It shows {"hour": 5, "minute": 40}
